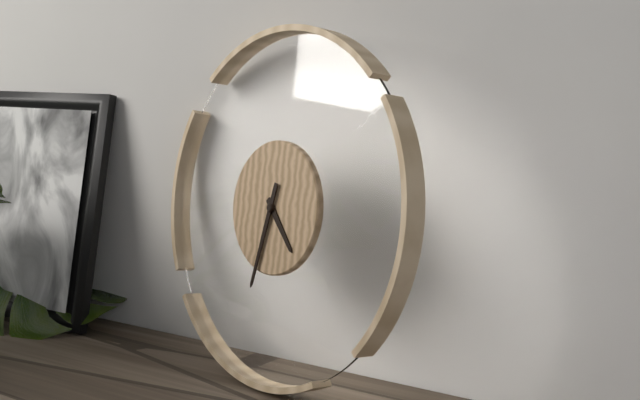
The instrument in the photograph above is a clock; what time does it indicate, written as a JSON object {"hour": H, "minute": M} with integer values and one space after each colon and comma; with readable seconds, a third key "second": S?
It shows {"hour": 4, "minute": 32}
